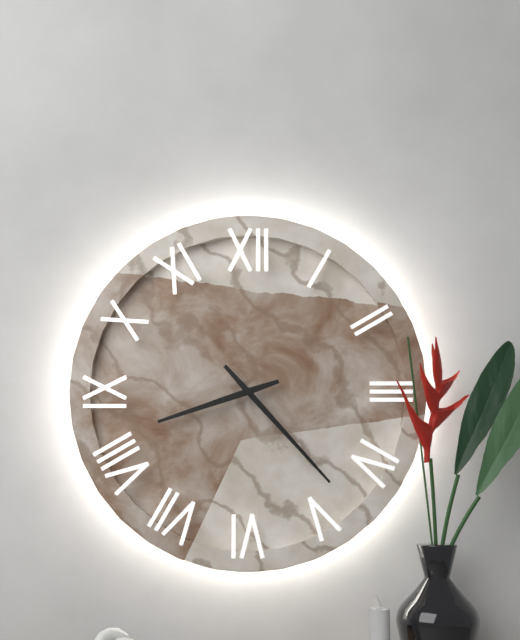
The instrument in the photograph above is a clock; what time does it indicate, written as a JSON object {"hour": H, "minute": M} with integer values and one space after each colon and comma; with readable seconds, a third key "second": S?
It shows {"hour": 8, "minute": 23}
